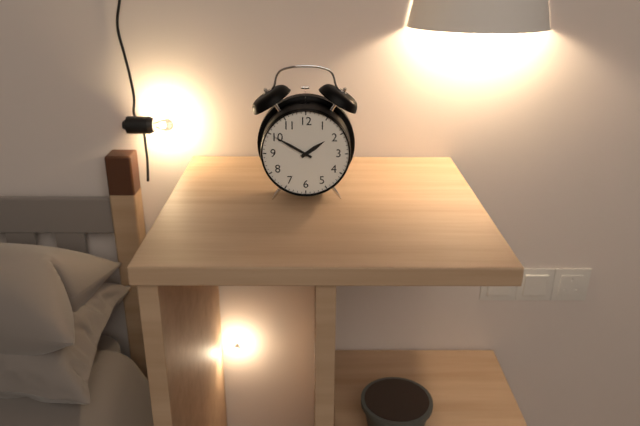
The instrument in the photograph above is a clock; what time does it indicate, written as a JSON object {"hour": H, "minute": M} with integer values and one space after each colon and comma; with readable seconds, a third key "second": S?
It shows {"hour": 1, "minute": 50}
